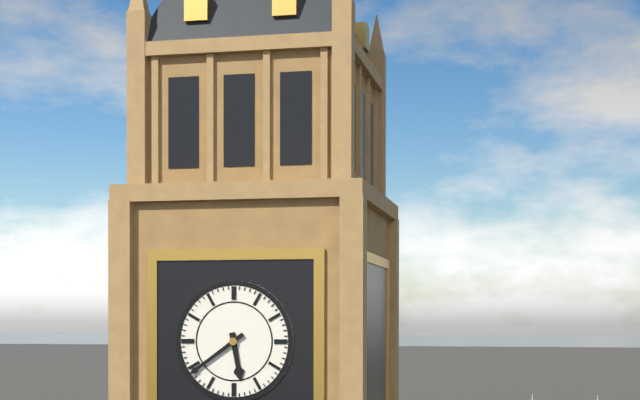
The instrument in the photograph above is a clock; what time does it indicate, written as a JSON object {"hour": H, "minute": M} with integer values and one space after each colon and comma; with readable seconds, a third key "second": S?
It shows {"hour": 5, "minute": 39}
